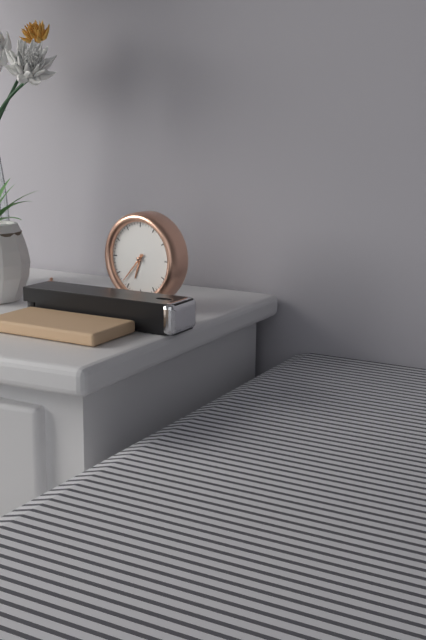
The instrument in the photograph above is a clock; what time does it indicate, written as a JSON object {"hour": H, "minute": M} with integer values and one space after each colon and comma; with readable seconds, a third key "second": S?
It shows {"hour": 6, "minute": 37}
